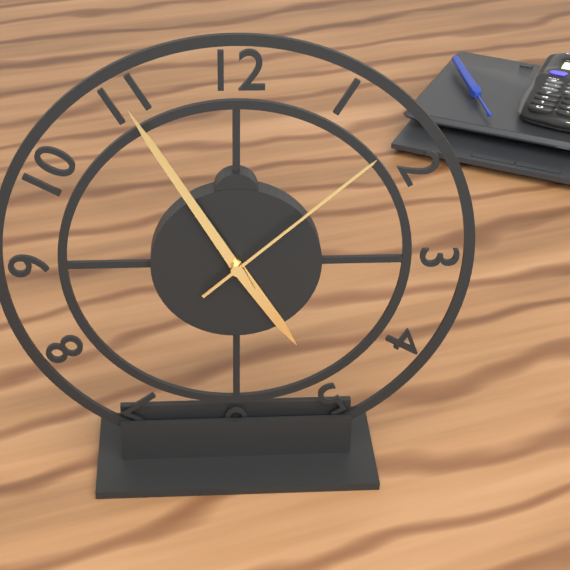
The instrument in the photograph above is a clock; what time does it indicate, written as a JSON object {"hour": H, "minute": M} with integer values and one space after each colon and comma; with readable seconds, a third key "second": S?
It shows {"hour": 4, "minute": 55, "second": 8}
